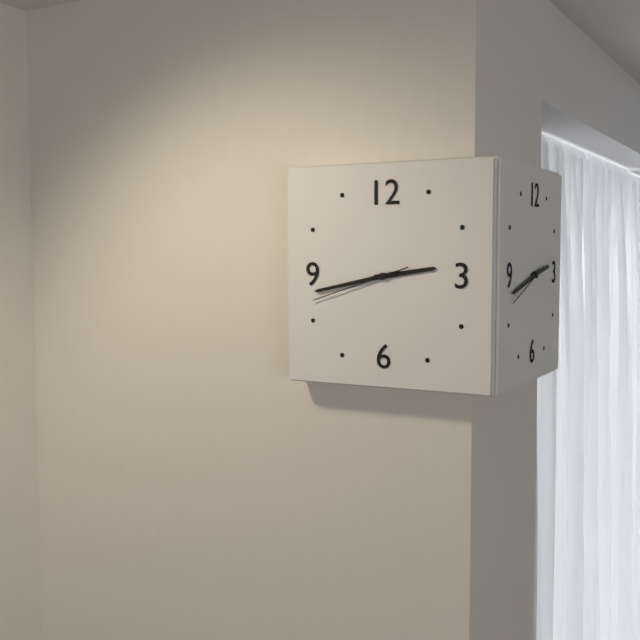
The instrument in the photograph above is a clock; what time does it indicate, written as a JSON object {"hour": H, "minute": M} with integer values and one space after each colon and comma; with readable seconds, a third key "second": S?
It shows {"hour": 2, "minute": 43, "second": 42}
